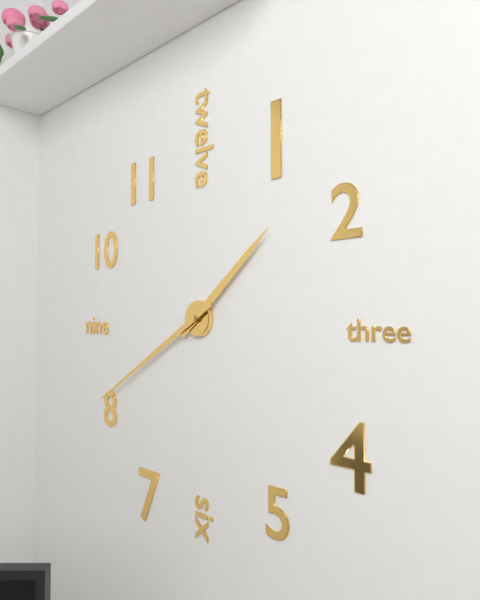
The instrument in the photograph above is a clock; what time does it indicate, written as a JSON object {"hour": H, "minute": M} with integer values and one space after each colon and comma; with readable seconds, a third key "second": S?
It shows {"hour": 1, "minute": 40}
